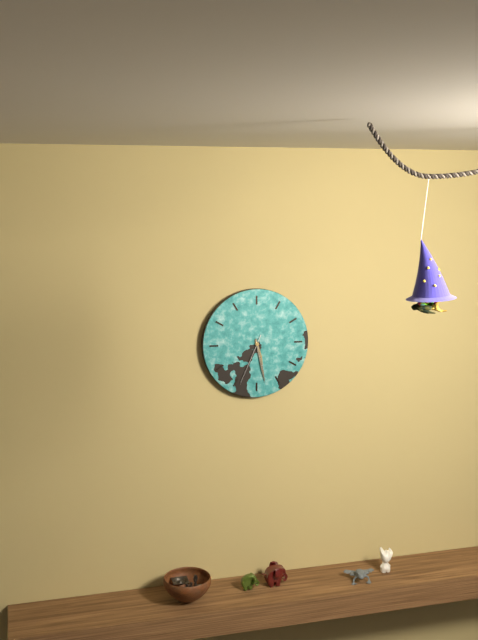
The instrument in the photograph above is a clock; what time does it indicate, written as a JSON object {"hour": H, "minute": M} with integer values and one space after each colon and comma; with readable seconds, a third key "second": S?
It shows {"hour": 5, "minute": 28, "second": 34}
